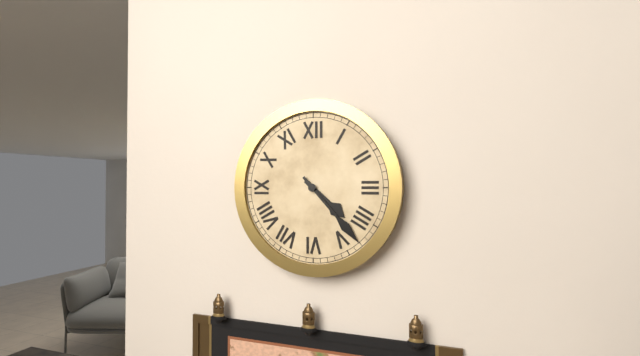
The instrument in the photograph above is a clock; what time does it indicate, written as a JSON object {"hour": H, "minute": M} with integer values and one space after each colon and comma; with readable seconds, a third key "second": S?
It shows {"hour": 4, "minute": 23}
